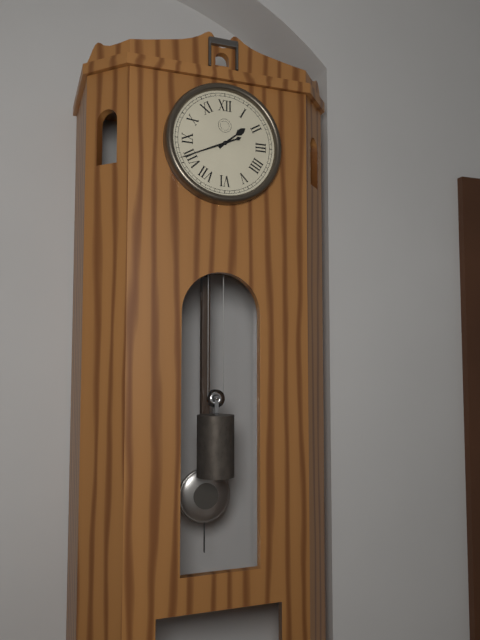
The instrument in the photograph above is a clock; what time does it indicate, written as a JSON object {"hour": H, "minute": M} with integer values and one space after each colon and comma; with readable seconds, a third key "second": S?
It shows {"hour": 1, "minute": 41}
